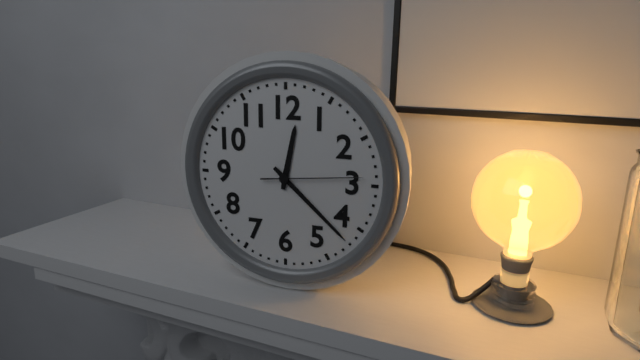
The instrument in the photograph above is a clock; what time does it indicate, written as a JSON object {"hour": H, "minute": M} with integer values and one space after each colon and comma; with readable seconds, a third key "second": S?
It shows {"hour": 12, "minute": 22, "second": 14}
